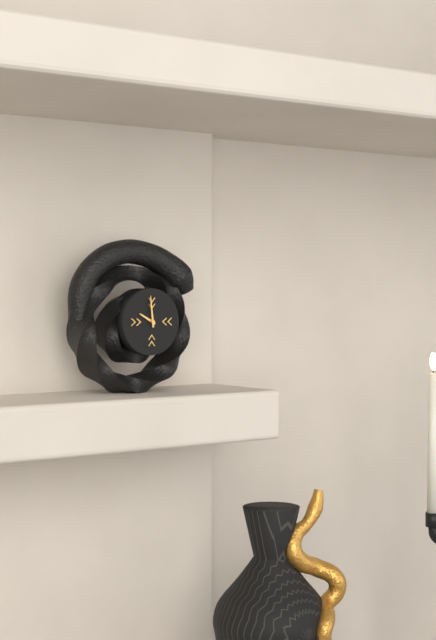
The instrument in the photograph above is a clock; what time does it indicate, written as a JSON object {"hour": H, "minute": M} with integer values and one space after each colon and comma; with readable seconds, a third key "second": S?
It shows {"hour": 9, "minute": 59}
